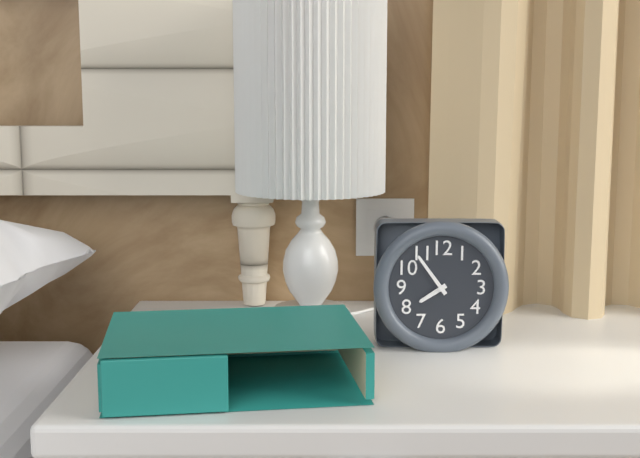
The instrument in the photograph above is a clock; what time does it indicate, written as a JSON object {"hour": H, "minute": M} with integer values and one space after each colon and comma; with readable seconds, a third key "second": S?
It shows {"hour": 7, "minute": 54}
